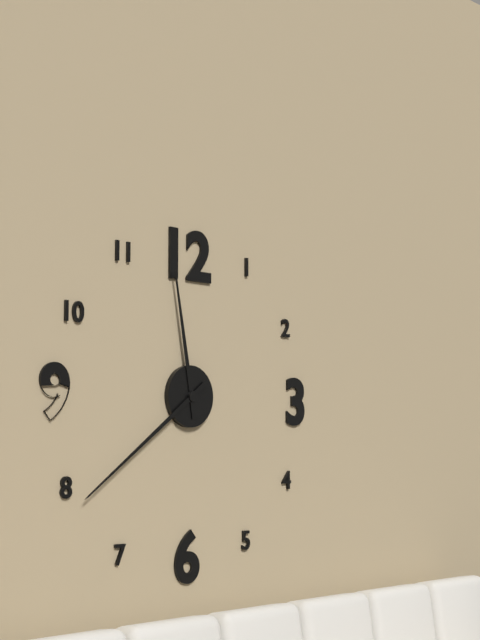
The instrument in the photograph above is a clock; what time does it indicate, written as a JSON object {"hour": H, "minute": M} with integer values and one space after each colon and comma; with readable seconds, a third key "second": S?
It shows {"hour": 11, "minute": 39}
